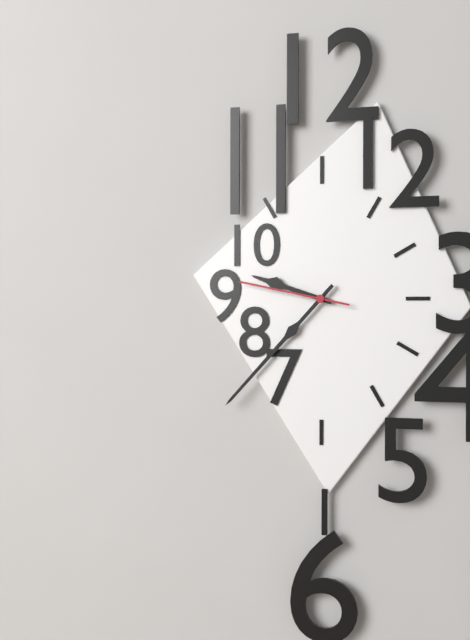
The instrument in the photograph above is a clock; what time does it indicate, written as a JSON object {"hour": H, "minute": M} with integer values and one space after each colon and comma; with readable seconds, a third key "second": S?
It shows {"hour": 9, "minute": 37, "second": 47}
